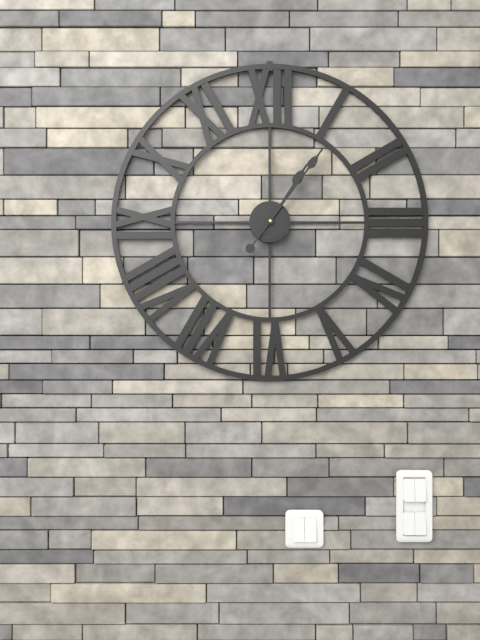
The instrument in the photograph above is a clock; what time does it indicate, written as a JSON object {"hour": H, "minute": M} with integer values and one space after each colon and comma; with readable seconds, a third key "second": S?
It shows {"hour": 1, "minute": 6}
